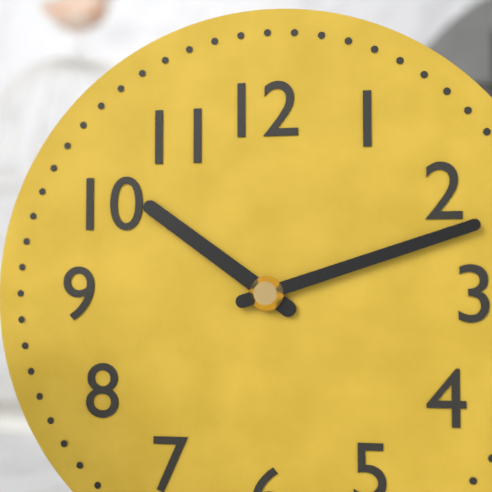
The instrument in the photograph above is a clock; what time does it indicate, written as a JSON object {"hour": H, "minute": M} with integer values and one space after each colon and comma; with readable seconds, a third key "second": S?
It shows {"hour": 10, "minute": 12}
